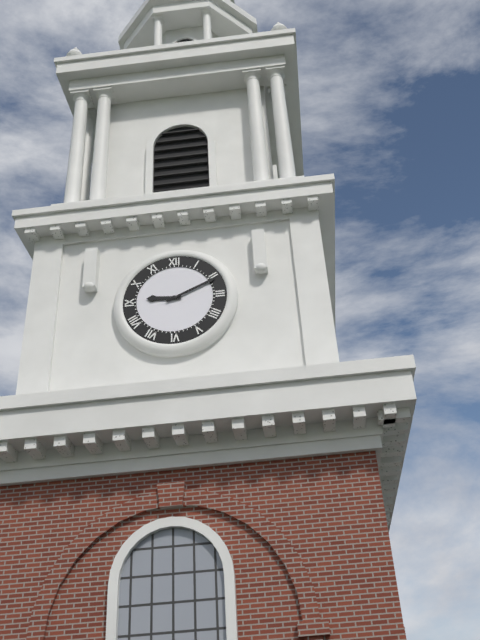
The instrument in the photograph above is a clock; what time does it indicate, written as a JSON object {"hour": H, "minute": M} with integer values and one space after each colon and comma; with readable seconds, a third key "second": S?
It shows {"hour": 9, "minute": 11}
